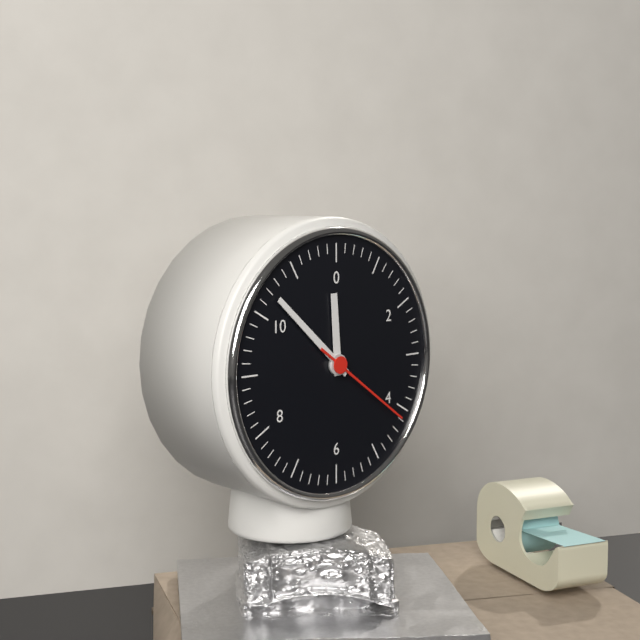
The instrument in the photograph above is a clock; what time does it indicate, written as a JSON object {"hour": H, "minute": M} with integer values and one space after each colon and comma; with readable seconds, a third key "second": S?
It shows {"hour": 11, "minute": 52, "second": 21}
